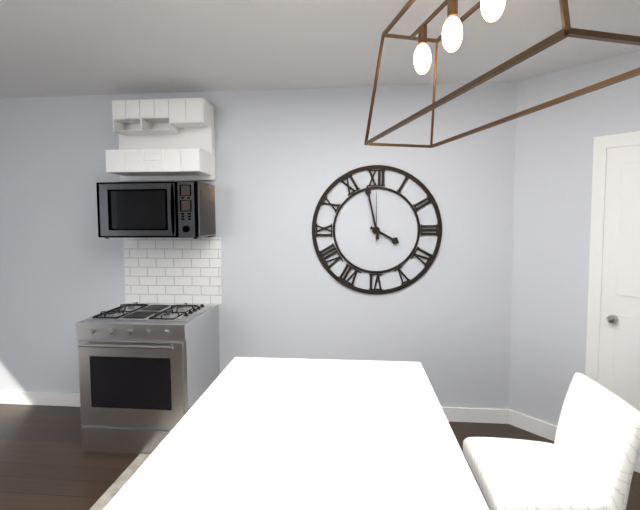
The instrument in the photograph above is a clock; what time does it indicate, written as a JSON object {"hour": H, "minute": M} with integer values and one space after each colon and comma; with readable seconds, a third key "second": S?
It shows {"hour": 3, "minute": 58}
